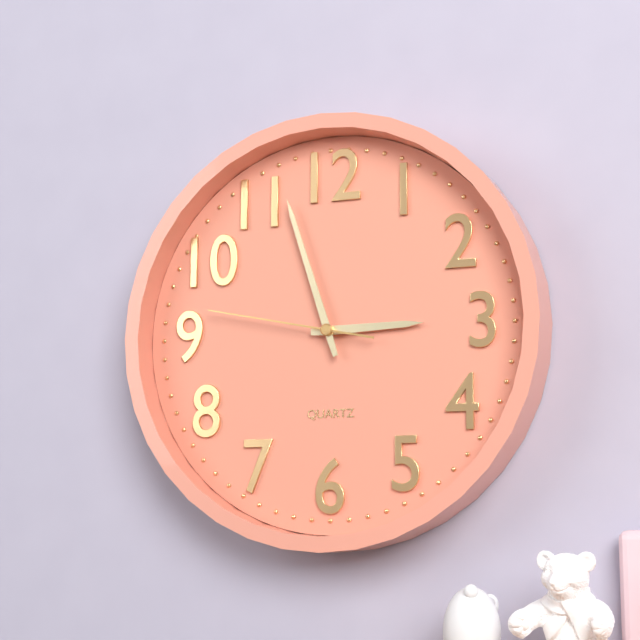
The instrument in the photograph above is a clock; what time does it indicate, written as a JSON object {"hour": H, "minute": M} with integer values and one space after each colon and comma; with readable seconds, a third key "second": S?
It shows {"hour": 2, "minute": 57, "second": 47}
